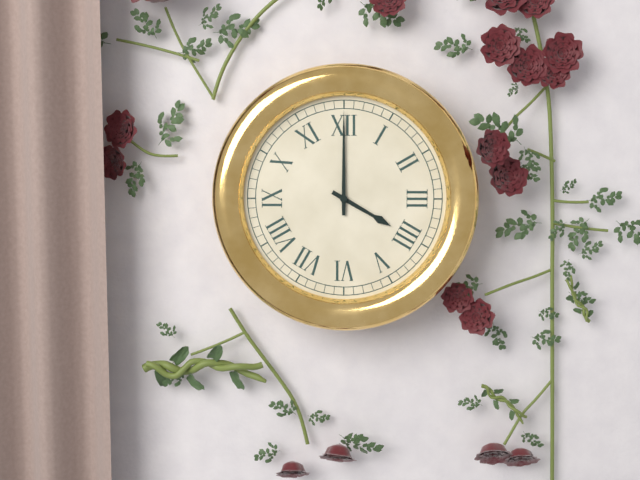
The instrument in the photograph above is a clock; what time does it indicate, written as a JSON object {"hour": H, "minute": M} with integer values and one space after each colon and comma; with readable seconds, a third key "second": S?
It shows {"hour": 4, "minute": 0}
